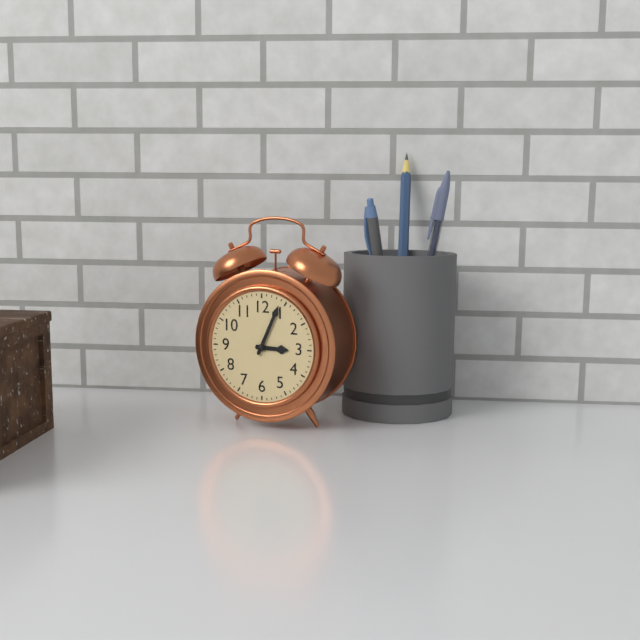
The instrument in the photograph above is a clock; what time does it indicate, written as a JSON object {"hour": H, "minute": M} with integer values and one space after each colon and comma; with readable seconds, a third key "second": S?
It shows {"hour": 3, "minute": 4}
